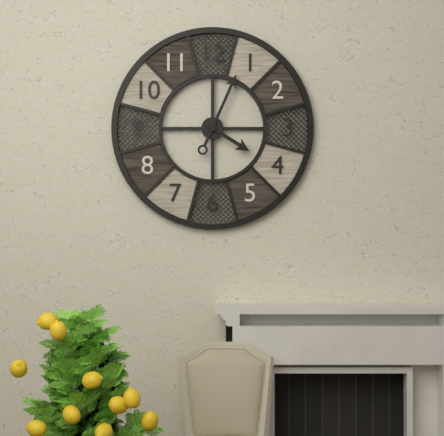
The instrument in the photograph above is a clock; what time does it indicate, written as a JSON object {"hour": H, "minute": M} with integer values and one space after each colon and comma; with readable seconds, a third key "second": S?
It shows {"hour": 4, "minute": 4}
